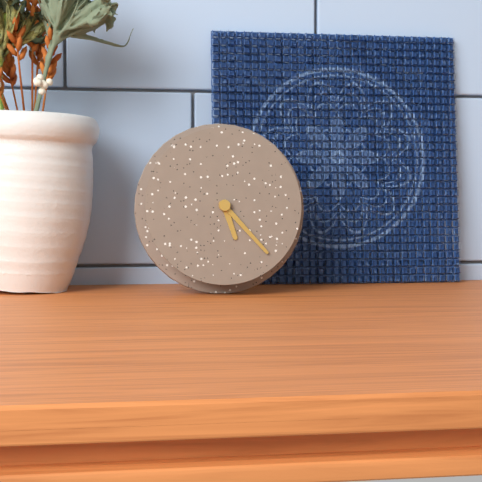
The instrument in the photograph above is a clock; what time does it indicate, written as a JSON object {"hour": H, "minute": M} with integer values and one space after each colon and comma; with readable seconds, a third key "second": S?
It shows {"hour": 5, "minute": 23}
